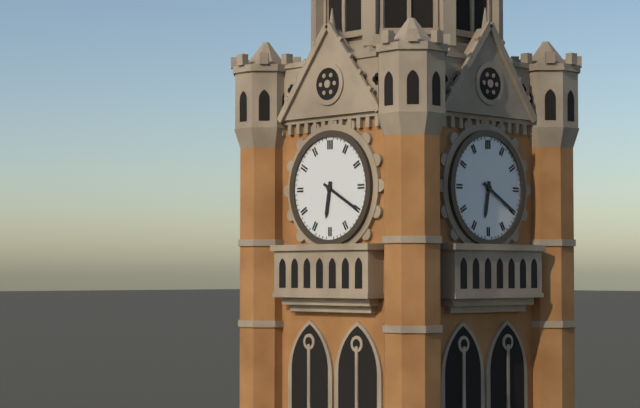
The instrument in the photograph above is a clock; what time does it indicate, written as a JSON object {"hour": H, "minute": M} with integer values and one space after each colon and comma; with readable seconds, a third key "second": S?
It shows {"hour": 6, "minute": 20}
